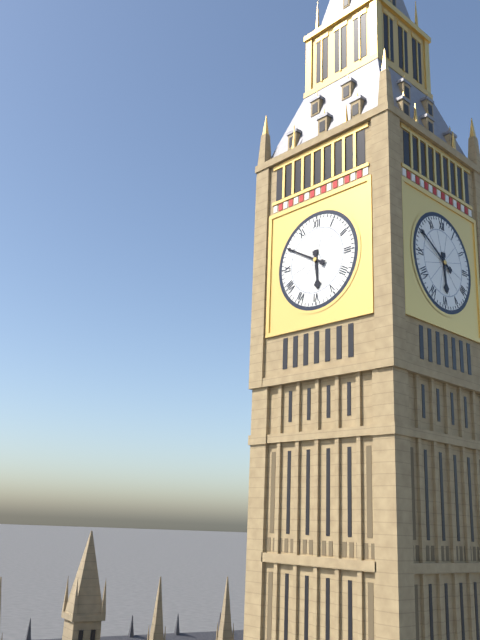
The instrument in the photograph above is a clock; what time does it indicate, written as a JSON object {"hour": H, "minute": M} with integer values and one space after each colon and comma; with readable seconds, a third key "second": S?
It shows {"hour": 5, "minute": 50}
